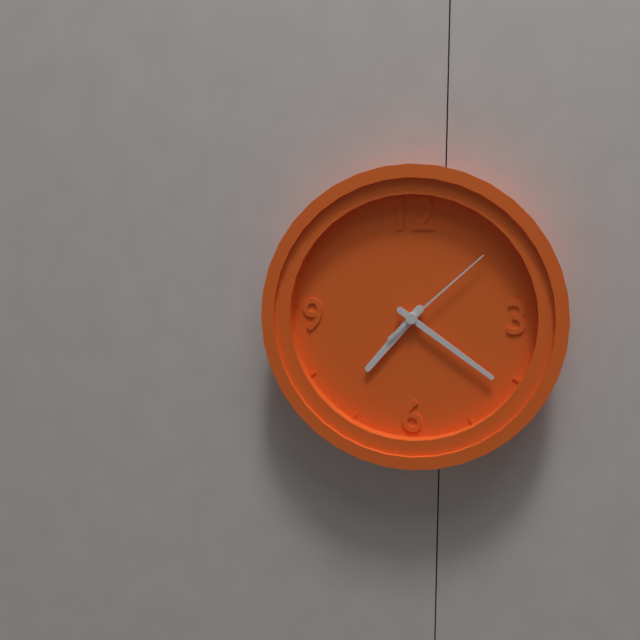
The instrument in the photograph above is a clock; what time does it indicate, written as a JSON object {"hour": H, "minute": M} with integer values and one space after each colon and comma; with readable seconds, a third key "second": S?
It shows {"hour": 7, "minute": 21, "second": 8}
